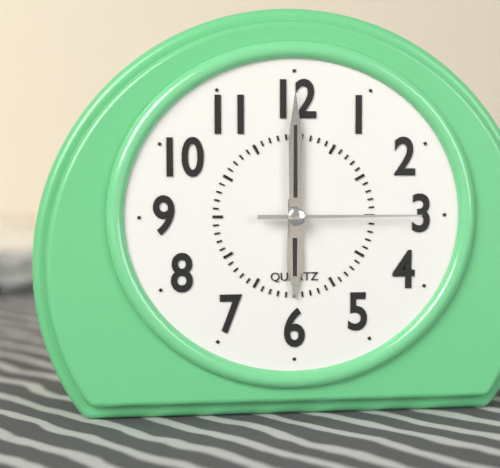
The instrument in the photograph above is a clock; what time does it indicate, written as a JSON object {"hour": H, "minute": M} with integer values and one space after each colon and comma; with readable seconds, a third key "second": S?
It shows {"hour": 6, "minute": 0, "second": 15}
